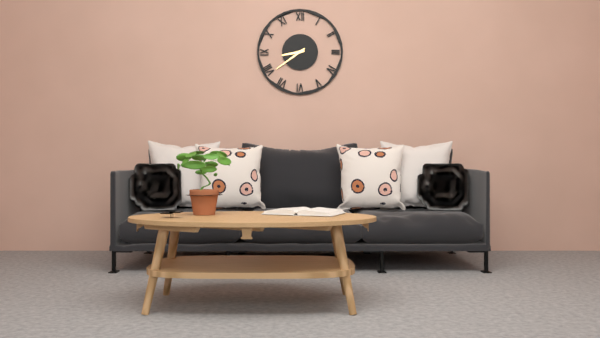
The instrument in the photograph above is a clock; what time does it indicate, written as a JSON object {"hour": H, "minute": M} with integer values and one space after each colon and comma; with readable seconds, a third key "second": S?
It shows {"hour": 8, "minute": 39}
